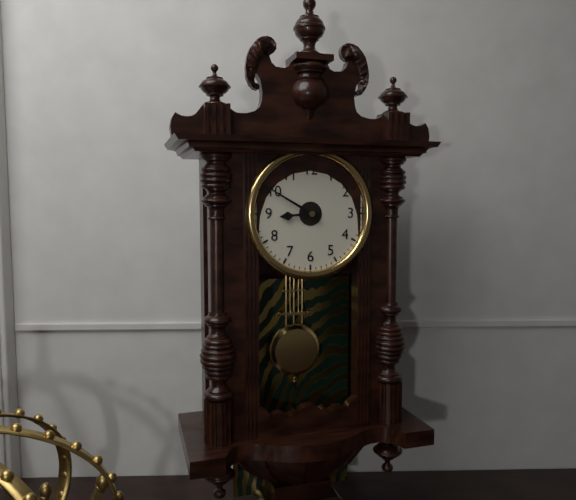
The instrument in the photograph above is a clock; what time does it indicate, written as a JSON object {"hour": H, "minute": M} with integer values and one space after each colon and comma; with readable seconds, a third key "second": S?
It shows {"hour": 8, "minute": 50}
